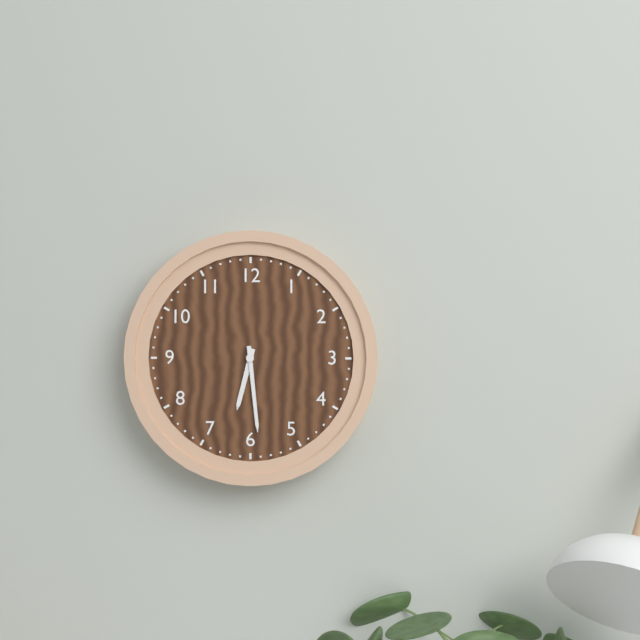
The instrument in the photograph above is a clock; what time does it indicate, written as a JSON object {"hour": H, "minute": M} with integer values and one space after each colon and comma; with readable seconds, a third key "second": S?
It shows {"hour": 6, "minute": 29}
